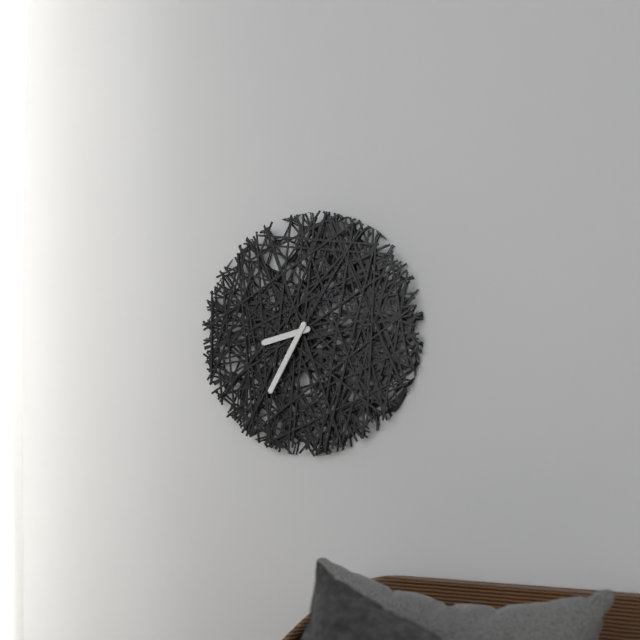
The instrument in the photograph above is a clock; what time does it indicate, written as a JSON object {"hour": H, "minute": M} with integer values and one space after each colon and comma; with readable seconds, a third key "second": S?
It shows {"hour": 8, "minute": 35}
